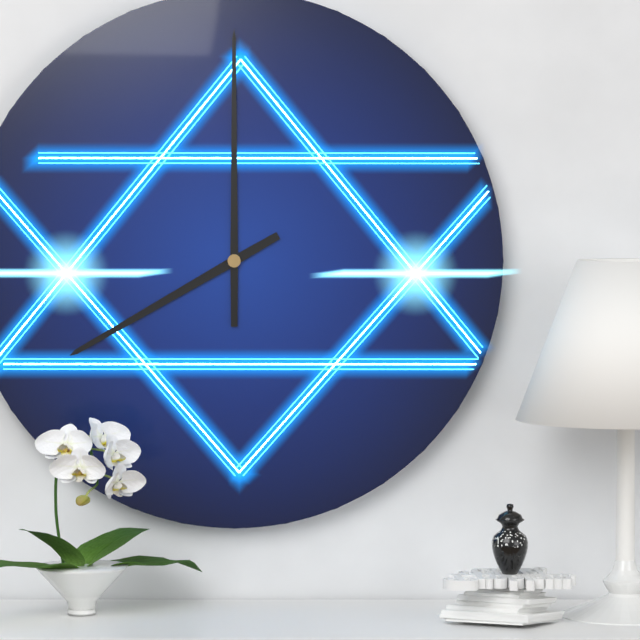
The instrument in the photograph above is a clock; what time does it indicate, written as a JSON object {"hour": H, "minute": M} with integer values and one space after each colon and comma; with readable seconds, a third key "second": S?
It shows {"hour": 8, "minute": 0}
